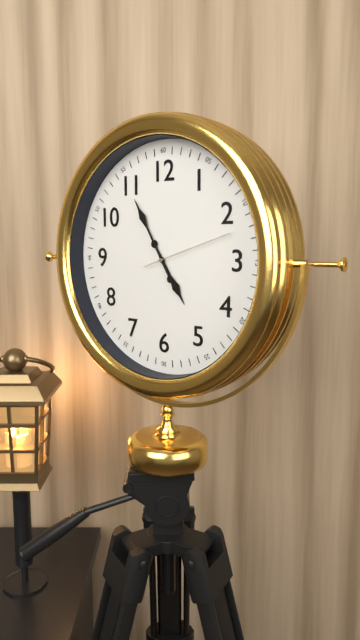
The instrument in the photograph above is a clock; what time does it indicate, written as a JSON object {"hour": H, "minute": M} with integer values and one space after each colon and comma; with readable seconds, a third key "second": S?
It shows {"hour": 4, "minute": 55, "second": 12}
